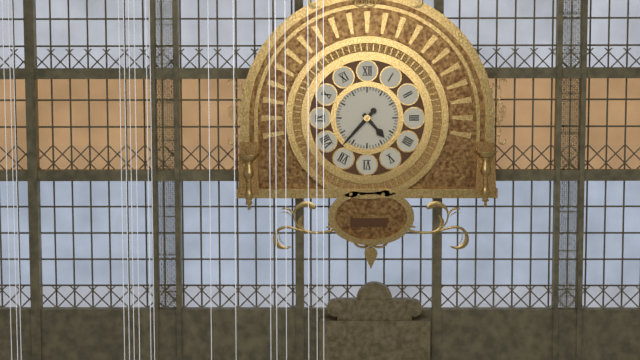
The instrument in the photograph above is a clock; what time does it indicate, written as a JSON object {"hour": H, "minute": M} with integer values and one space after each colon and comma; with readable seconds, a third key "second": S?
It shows {"hour": 4, "minute": 37}
